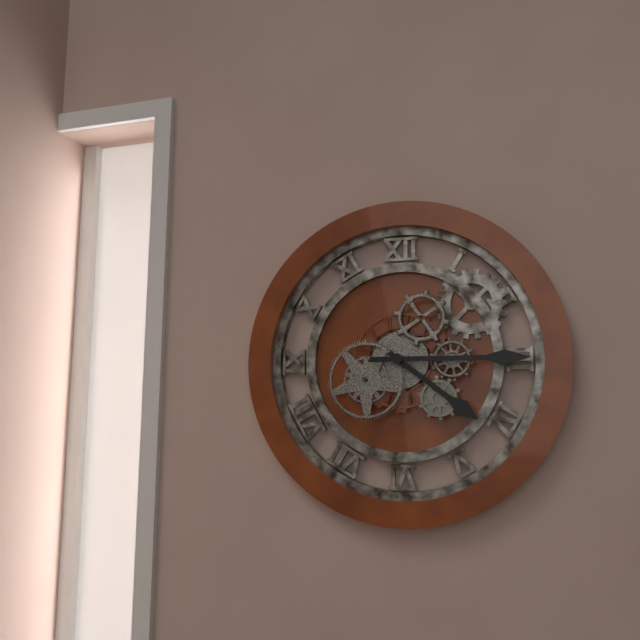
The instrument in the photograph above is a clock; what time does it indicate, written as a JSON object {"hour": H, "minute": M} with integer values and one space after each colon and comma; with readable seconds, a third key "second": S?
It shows {"hour": 4, "minute": 15}
